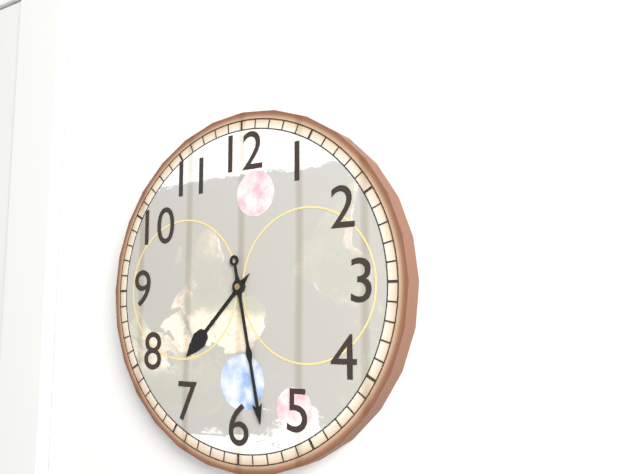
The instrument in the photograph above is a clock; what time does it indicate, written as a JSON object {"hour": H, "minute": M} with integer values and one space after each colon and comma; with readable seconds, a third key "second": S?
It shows {"hour": 7, "minute": 28}
